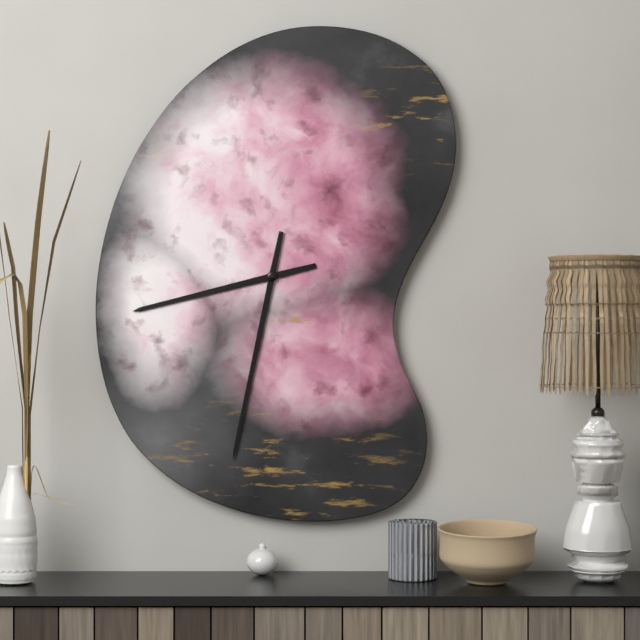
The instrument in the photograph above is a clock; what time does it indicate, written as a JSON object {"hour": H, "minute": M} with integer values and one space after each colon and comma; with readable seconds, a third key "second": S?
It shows {"hour": 8, "minute": 32}
